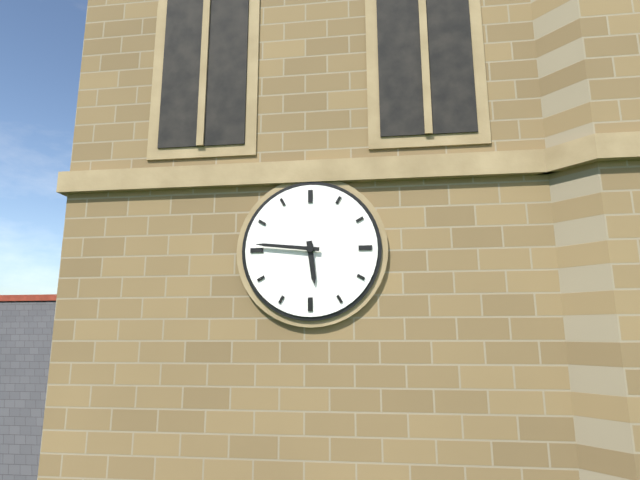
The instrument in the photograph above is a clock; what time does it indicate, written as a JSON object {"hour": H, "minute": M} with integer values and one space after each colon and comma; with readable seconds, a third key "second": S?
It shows {"hour": 5, "minute": 46}
